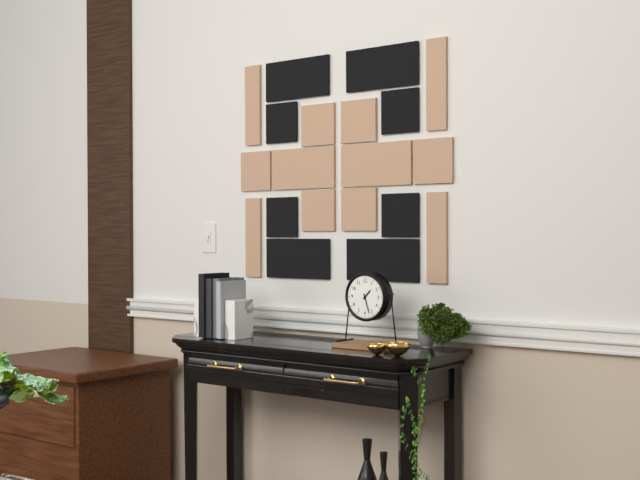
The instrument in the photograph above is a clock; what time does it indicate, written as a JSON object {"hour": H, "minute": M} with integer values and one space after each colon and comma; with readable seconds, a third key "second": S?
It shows {"hour": 1, "minute": 27}
